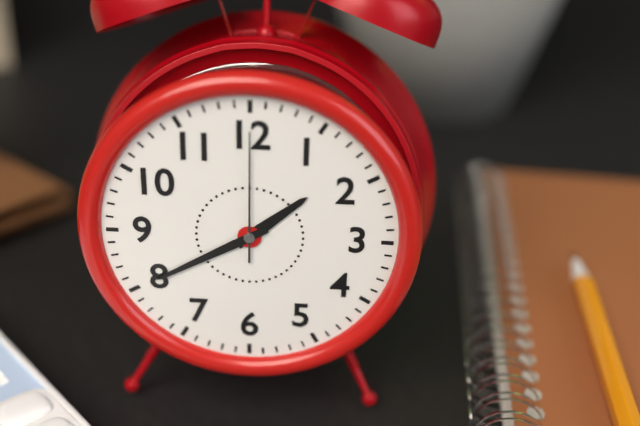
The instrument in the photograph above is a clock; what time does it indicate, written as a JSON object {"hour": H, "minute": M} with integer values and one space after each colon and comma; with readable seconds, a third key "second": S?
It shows {"hour": 1, "minute": 40, "second": 0}
